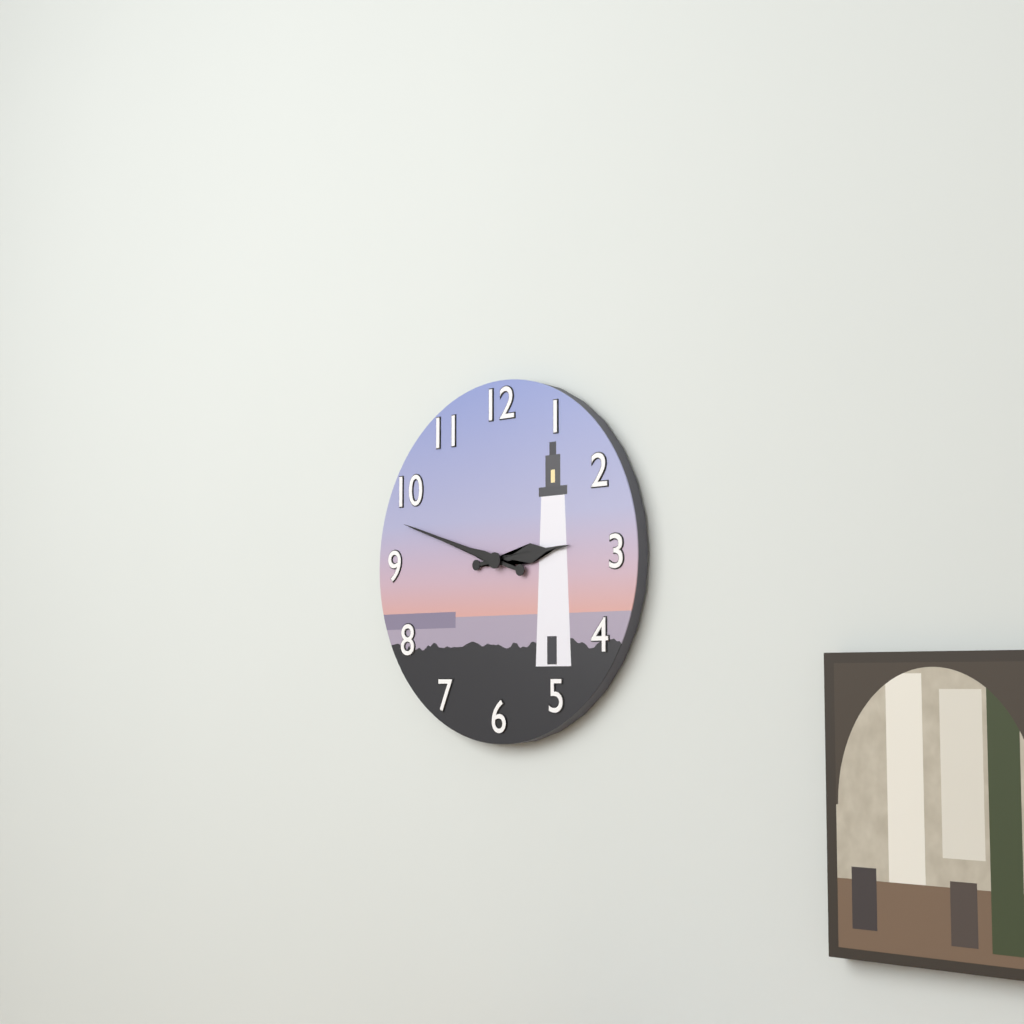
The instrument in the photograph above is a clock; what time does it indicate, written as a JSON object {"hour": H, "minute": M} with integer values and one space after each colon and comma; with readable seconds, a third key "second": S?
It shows {"hour": 2, "minute": 48}
